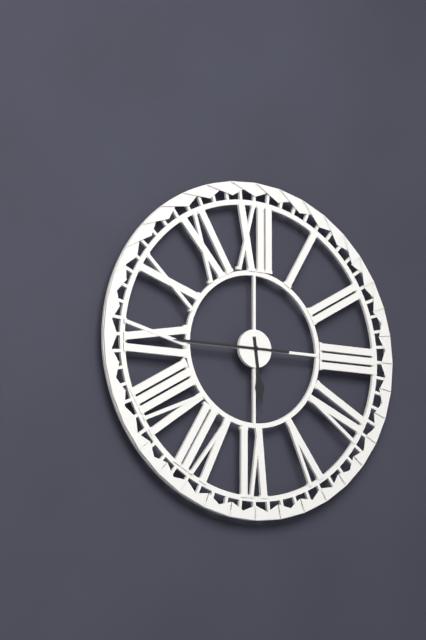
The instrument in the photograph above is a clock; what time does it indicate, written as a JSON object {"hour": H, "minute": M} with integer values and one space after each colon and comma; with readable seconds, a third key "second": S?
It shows {"hour": 5, "minute": 45}
